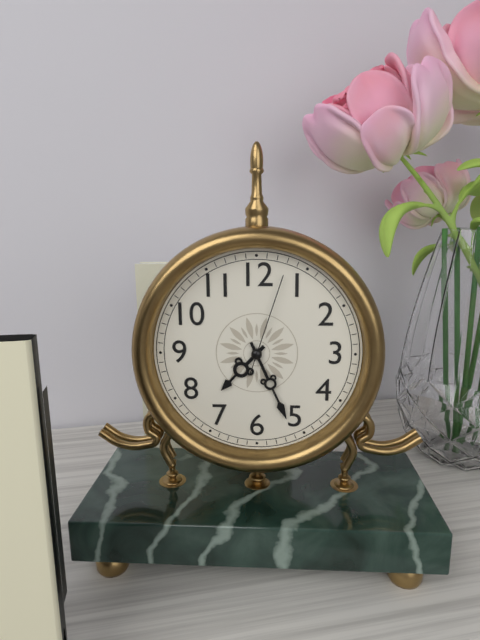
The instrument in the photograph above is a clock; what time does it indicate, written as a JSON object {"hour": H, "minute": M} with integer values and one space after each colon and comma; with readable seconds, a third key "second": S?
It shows {"hour": 7, "minute": 26, "second": 3}
